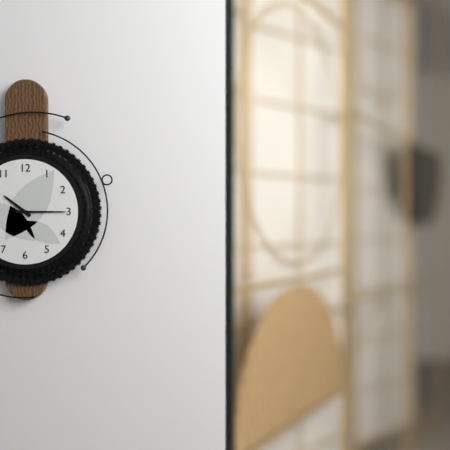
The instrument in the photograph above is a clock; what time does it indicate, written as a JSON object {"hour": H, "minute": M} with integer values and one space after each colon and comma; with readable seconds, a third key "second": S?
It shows {"hour": 10, "minute": 15}
